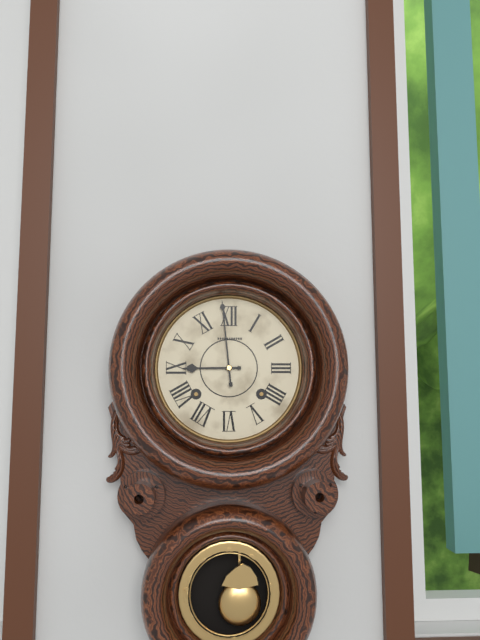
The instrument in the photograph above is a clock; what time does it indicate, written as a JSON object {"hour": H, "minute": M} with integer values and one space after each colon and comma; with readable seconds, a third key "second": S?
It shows {"hour": 8, "minute": 59}
